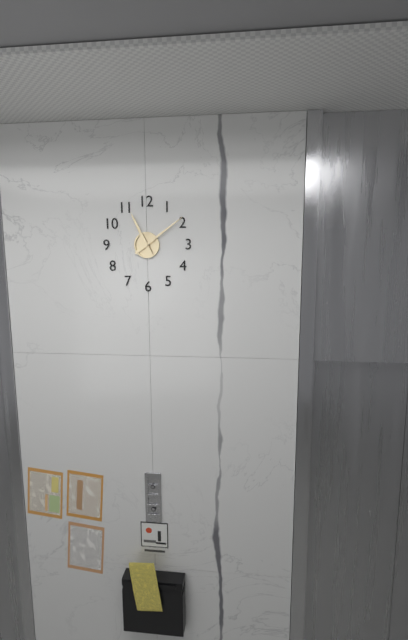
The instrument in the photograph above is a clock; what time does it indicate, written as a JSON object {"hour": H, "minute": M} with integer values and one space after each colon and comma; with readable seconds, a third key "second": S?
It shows {"hour": 11, "minute": 9}
